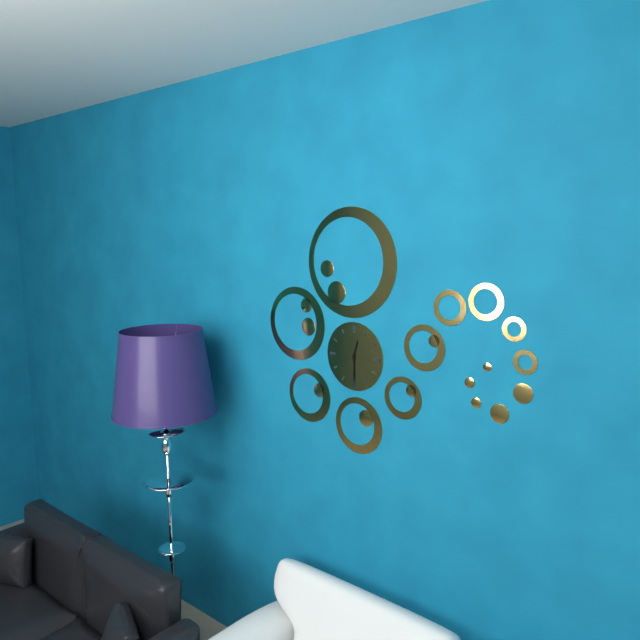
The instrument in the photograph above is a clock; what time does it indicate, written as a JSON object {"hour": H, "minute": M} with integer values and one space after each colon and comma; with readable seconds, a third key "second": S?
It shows {"hour": 12, "minute": 30}
